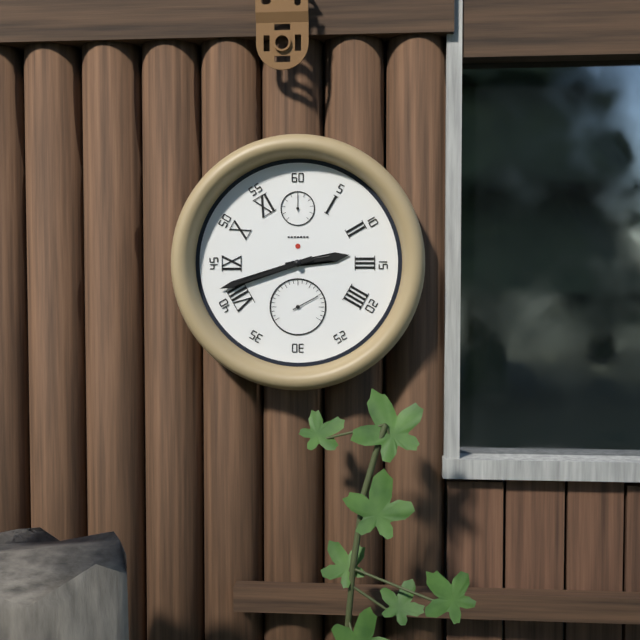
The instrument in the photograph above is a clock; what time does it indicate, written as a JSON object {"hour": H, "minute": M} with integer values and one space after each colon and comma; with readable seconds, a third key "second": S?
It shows {"hour": 2, "minute": 42}
